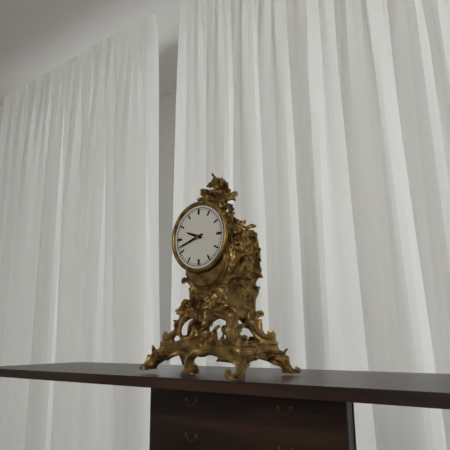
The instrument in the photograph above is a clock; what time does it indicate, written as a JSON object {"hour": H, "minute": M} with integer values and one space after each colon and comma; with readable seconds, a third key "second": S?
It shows {"hour": 9, "minute": 42}
